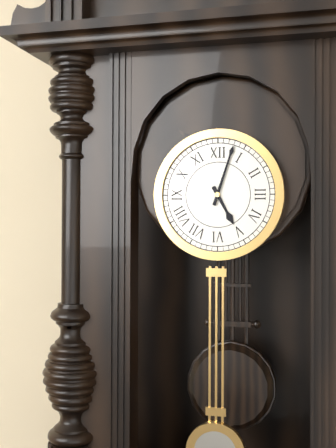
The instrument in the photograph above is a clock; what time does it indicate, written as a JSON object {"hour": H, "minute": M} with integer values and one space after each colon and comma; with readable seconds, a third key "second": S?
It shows {"hour": 5, "minute": 3}
